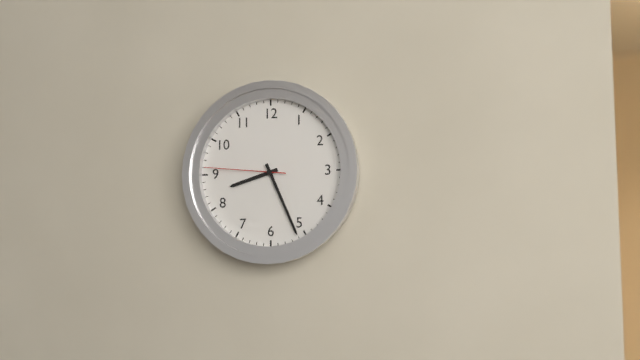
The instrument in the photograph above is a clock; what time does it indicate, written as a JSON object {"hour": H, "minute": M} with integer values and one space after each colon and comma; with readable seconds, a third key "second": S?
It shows {"hour": 8, "minute": 26, "second": 46}
